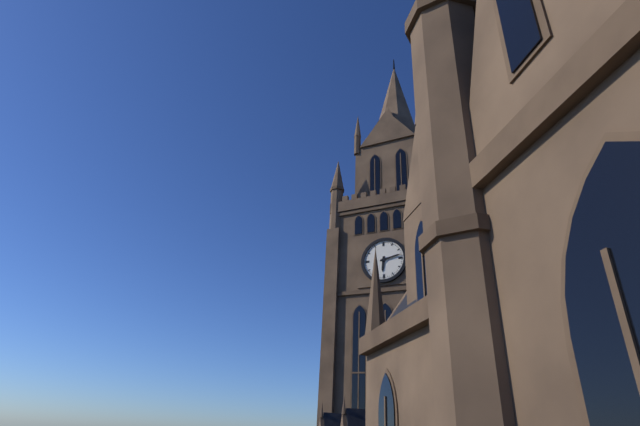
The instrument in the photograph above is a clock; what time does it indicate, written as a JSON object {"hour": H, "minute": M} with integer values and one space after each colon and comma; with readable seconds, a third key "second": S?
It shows {"hour": 6, "minute": 13}
